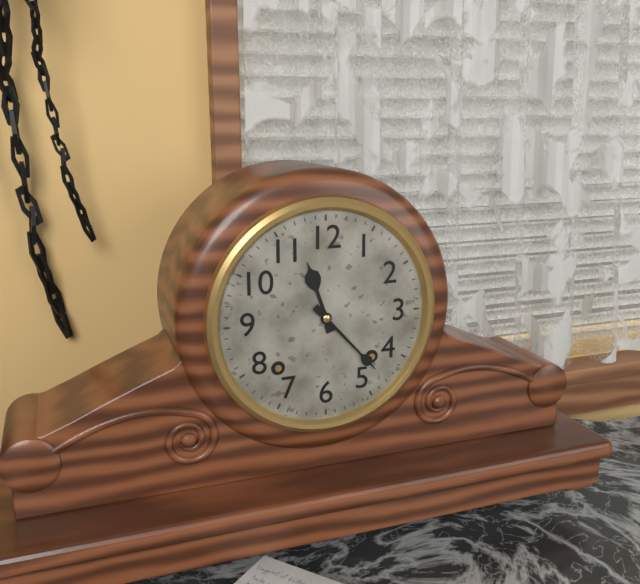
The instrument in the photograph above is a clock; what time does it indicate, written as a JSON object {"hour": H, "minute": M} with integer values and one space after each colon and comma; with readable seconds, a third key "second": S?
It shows {"hour": 11, "minute": 23}
